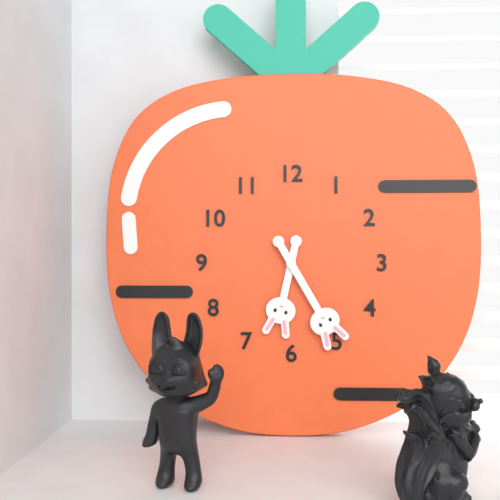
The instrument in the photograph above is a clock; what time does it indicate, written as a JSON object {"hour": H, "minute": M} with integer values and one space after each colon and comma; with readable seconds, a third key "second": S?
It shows {"hour": 6, "minute": 25}
